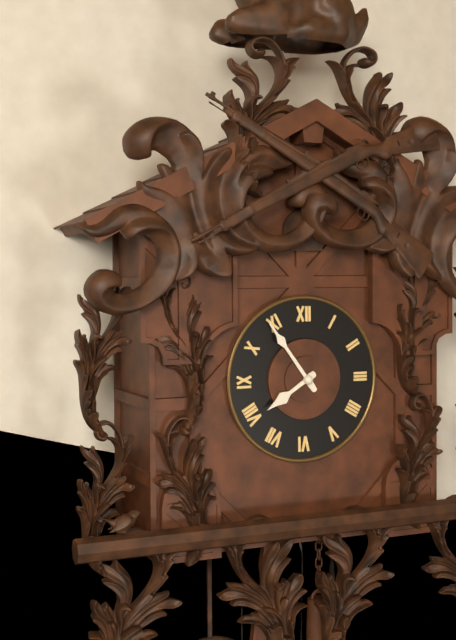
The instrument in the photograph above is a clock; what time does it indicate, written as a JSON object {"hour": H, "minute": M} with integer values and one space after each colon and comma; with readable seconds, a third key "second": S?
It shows {"hour": 7, "minute": 54}
